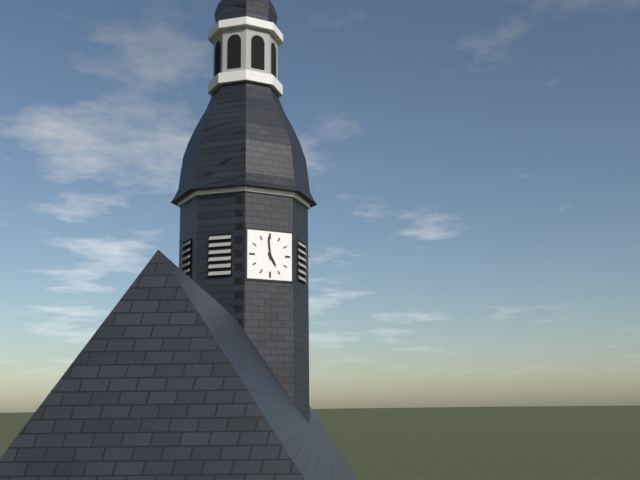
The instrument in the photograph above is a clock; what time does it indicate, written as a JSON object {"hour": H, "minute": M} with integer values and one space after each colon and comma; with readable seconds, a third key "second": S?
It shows {"hour": 4, "minute": 59}
